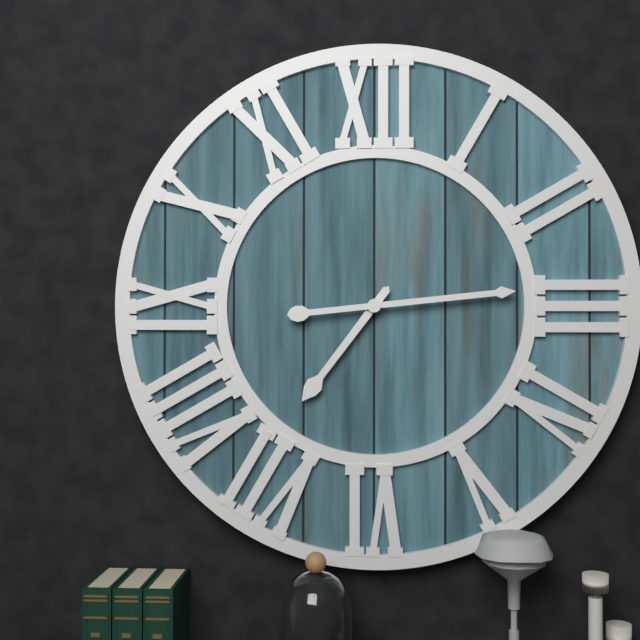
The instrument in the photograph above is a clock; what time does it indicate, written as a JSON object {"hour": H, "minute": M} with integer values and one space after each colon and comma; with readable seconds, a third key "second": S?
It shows {"hour": 7, "minute": 14}
